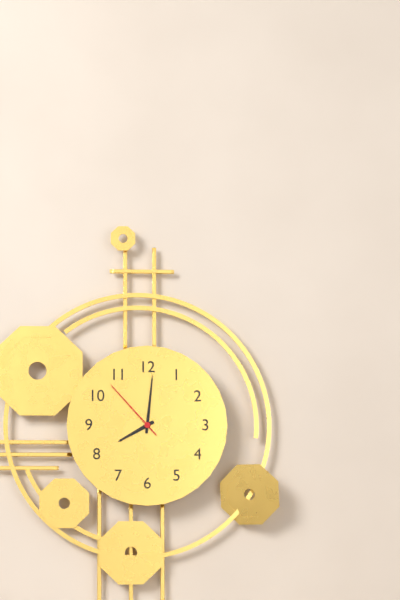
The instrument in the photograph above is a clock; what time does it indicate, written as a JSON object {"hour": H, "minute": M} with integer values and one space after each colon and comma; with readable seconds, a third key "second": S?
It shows {"hour": 8, "minute": 1, "second": 53}
